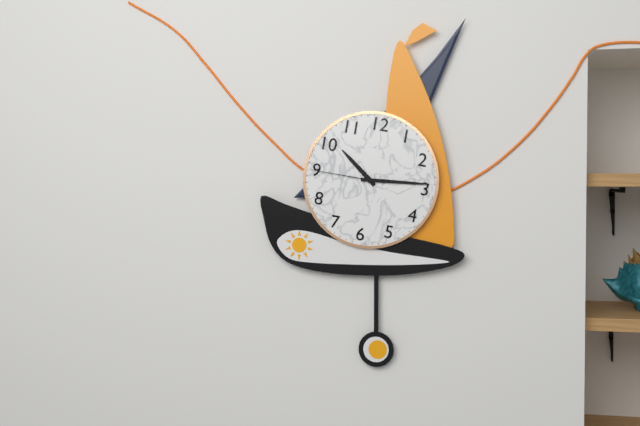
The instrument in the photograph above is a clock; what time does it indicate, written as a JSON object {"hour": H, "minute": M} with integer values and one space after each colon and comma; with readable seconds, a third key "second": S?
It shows {"hour": 10, "minute": 14, "second": 45}
